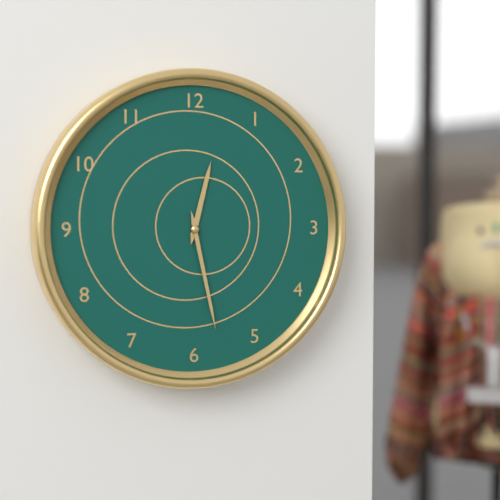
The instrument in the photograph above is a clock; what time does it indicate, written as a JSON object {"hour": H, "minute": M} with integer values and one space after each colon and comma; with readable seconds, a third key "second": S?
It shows {"hour": 12, "minute": 28}
